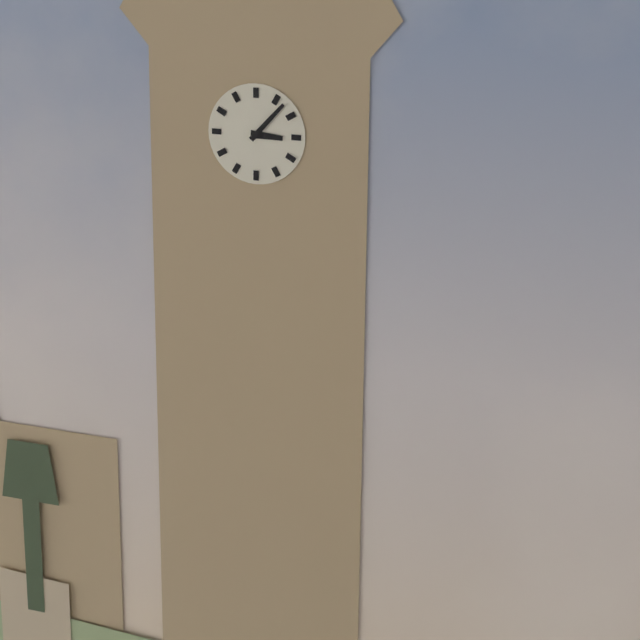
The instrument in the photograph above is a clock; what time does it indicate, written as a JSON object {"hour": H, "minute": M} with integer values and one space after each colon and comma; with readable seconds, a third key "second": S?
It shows {"hour": 3, "minute": 7}
